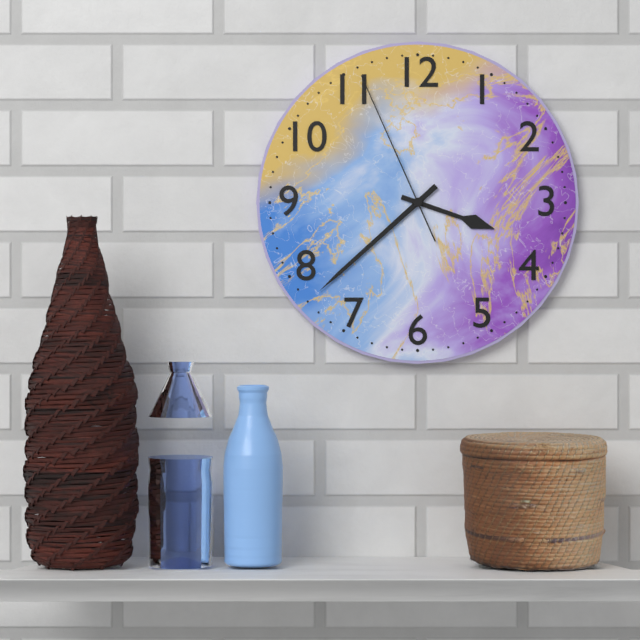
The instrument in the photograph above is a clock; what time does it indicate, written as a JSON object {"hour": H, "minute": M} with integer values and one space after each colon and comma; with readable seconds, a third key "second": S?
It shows {"hour": 3, "minute": 38, "second": 56}
